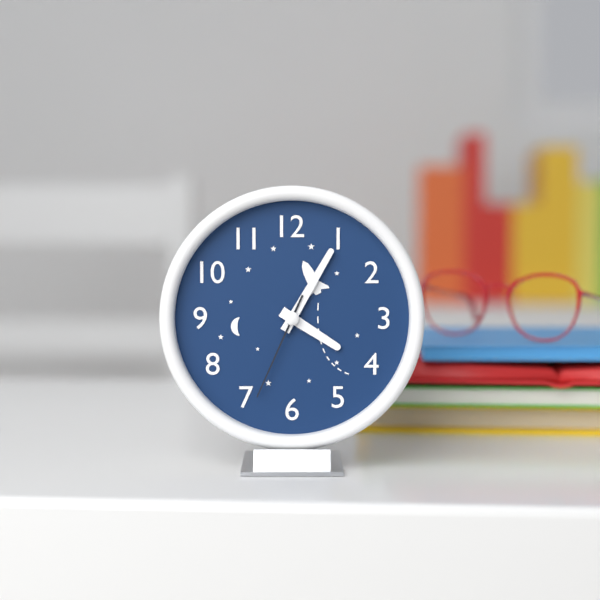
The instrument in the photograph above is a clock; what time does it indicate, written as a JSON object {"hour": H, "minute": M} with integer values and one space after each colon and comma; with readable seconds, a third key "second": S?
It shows {"hour": 4, "minute": 5, "second": 34}
